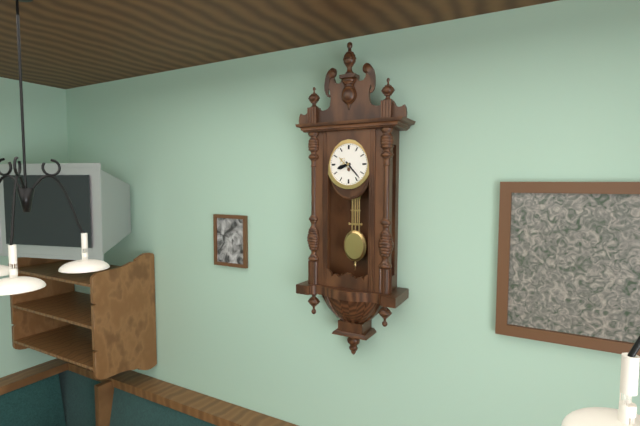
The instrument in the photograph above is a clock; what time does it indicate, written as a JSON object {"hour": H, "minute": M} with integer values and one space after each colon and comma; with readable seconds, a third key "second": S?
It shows {"hour": 8, "minute": 23}
